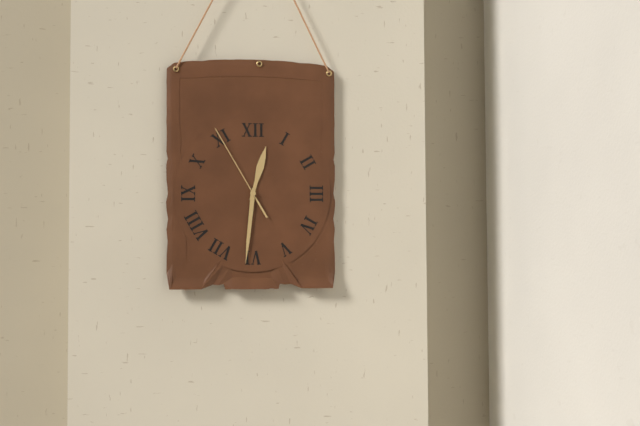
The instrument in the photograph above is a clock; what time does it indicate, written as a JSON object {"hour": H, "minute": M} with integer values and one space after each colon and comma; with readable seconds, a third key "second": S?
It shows {"hour": 12, "minute": 31, "second": 55}
